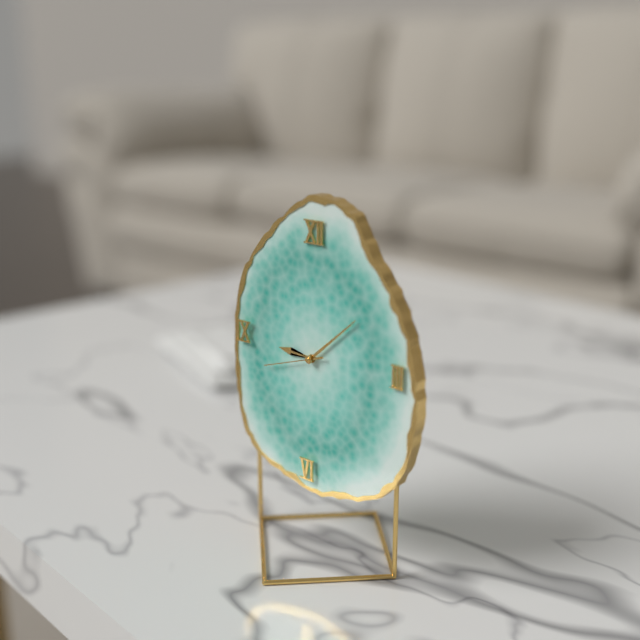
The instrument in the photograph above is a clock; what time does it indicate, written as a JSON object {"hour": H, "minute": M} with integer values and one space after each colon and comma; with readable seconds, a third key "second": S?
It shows {"hour": 9, "minute": 8, "second": 42}
